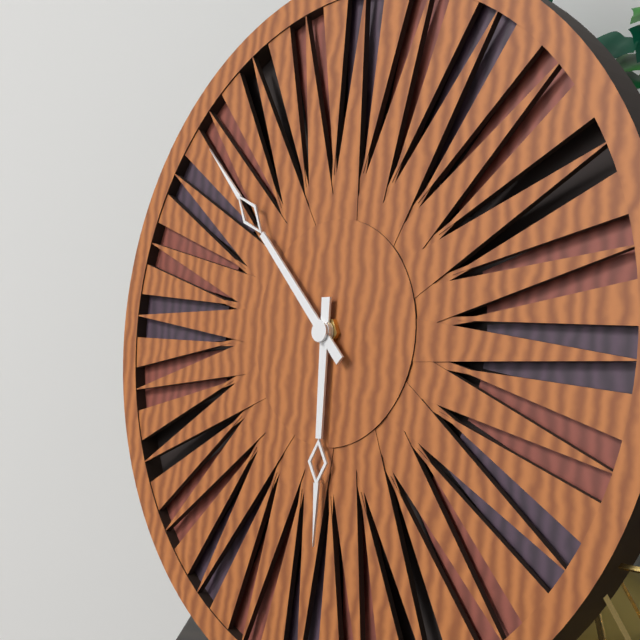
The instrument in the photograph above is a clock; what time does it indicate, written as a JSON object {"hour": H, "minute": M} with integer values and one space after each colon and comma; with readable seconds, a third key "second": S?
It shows {"hour": 5, "minute": 52}
